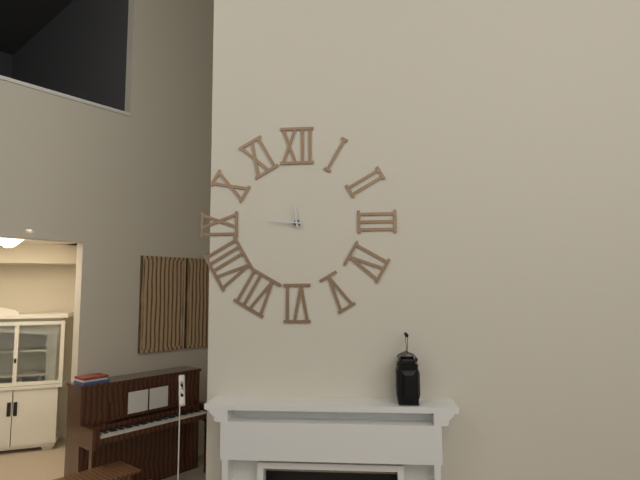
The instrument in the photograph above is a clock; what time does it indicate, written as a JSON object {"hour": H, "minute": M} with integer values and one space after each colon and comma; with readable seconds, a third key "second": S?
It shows {"hour": 11, "minute": 46}
